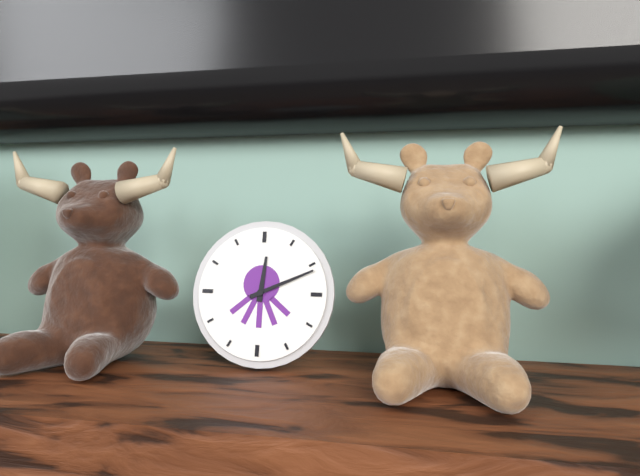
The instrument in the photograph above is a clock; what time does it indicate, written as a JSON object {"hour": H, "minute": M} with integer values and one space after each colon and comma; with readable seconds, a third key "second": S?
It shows {"hour": 12, "minute": 11}
